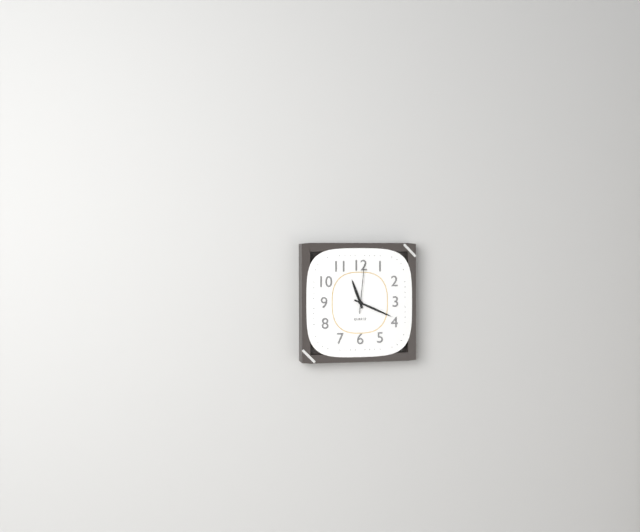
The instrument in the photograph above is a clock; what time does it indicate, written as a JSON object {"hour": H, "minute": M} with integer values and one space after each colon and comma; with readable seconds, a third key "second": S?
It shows {"hour": 11, "minute": 19}
